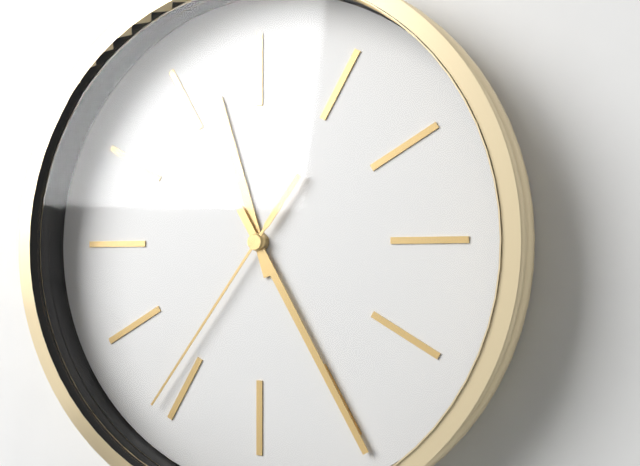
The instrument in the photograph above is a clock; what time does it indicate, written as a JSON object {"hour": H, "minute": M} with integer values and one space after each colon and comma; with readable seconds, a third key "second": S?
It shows {"hour": 11, "minute": 25, "second": 36}
